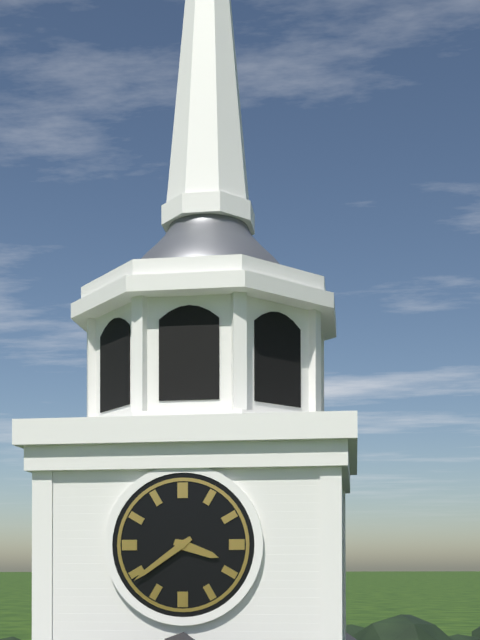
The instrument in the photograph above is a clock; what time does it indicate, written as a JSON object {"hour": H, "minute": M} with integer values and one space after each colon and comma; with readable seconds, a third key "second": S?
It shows {"hour": 3, "minute": 39}
